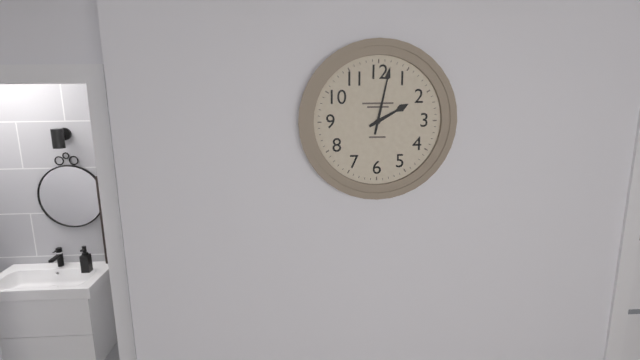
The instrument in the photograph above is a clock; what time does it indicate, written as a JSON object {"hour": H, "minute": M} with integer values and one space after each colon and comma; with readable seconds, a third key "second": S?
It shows {"hour": 2, "minute": 2}
